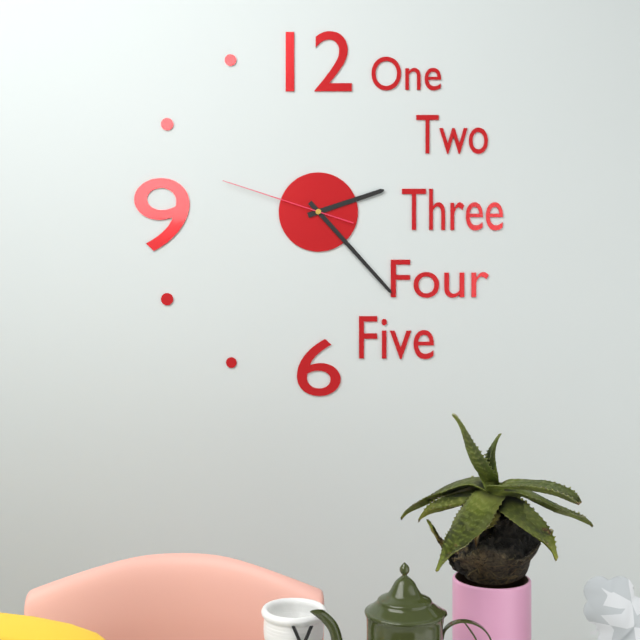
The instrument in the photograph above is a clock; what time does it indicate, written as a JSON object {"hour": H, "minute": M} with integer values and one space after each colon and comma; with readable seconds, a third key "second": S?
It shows {"hour": 2, "minute": 23, "second": 48}
